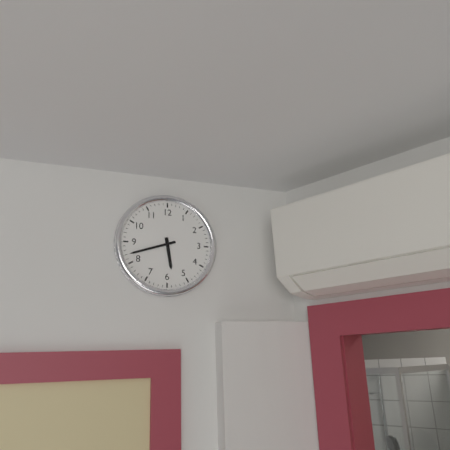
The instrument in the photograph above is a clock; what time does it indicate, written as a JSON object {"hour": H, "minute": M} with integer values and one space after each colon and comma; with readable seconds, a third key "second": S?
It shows {"hour": 5, "minute": 42}
